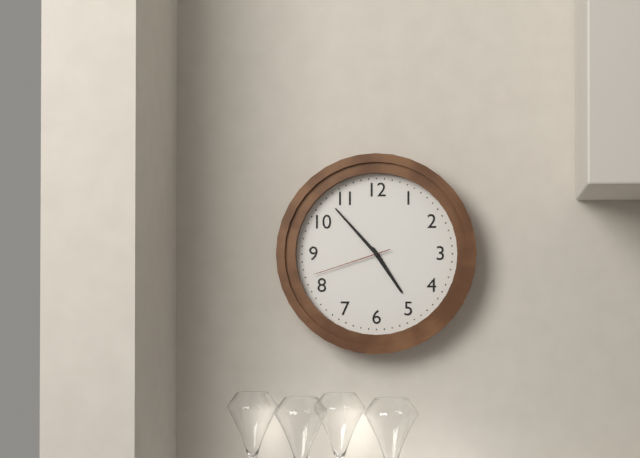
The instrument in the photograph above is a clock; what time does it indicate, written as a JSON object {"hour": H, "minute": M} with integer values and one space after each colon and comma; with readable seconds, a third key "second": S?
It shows {"hour": 4, "minute": 53, "second": 42}
